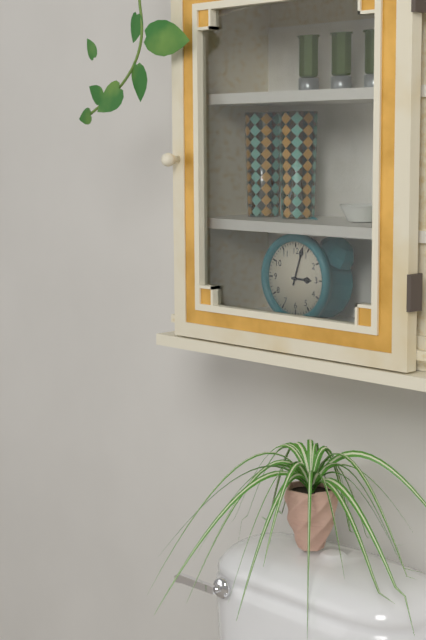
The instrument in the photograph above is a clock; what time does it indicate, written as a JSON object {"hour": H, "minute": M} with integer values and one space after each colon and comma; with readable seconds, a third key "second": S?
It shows {"hour": 3, "minute": 3}
